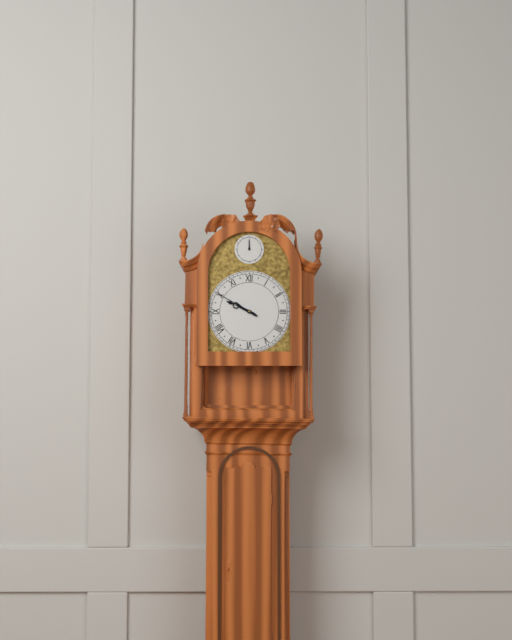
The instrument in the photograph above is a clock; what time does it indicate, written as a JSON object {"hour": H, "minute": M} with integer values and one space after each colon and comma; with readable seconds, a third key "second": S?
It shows {"hour": 9, "minute": 50}
